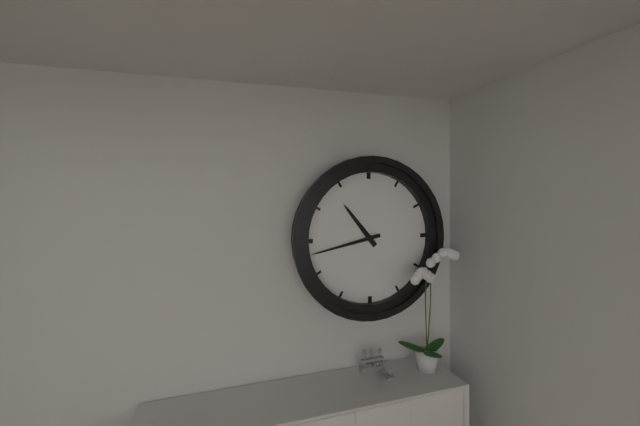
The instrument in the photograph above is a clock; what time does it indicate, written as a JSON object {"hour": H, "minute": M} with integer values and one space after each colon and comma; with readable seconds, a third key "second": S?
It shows {"hour": 10, "minute": 43}
